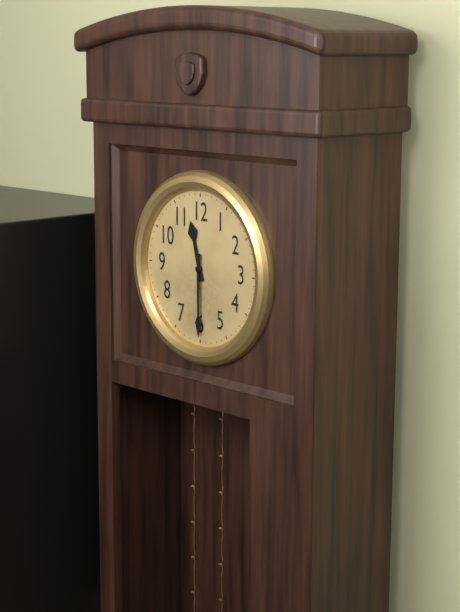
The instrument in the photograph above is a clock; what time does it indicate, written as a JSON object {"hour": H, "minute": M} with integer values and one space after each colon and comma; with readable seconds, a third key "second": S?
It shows {"hour": 11, "minute": 30}
